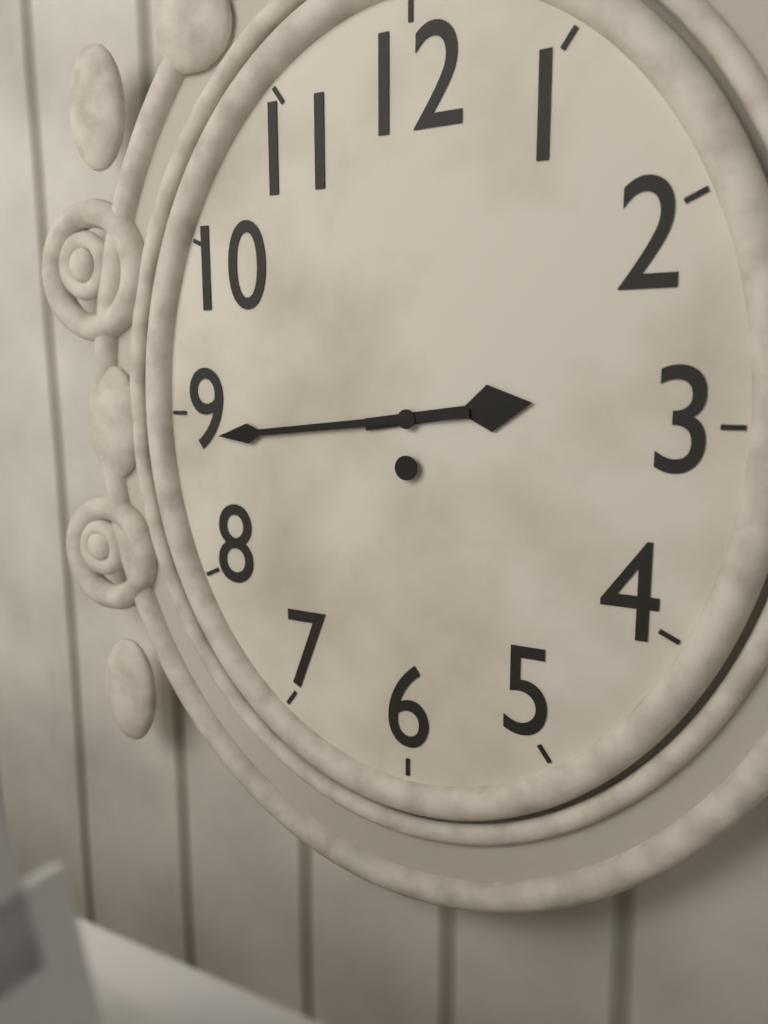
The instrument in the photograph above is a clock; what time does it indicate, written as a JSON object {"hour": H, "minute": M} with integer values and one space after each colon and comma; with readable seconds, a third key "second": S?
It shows {"hour": 2, "minute": 44}
